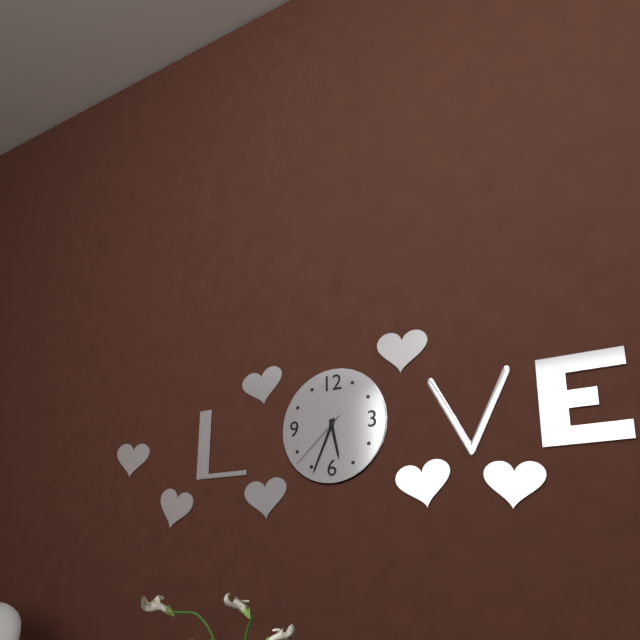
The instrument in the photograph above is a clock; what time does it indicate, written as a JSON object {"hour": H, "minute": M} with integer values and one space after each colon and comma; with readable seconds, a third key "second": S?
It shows {"hour": 5, "minute": 34, "second": 38}
